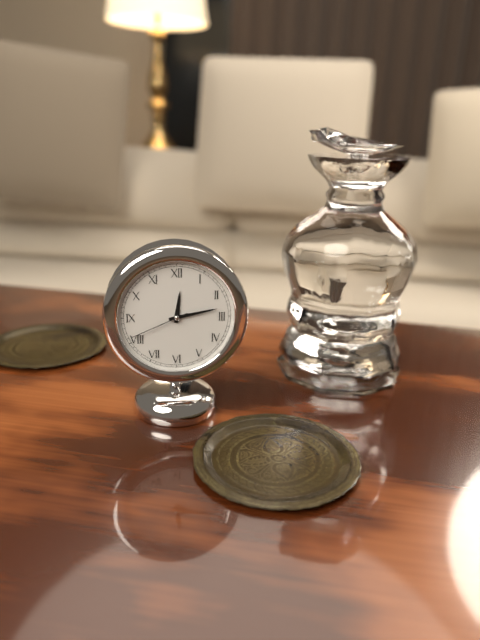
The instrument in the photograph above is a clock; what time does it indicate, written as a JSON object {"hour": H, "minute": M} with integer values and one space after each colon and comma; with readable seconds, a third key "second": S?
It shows {"hour": 12, "minute": 13, "second": 41}
